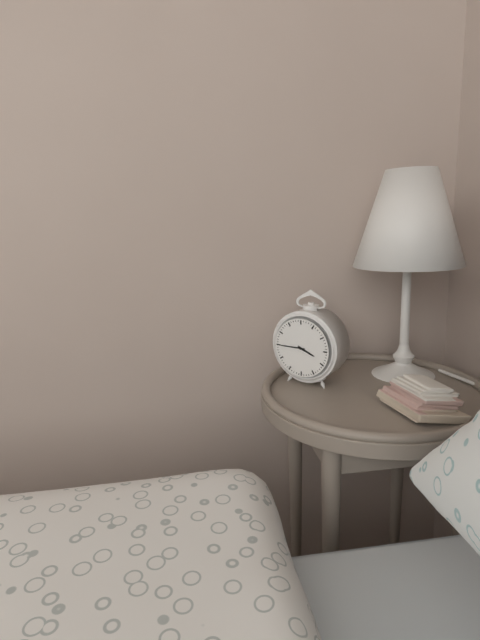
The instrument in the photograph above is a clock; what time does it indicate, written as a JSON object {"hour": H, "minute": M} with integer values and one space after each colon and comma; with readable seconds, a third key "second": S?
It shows {"hour": 3, "minute": 45}
